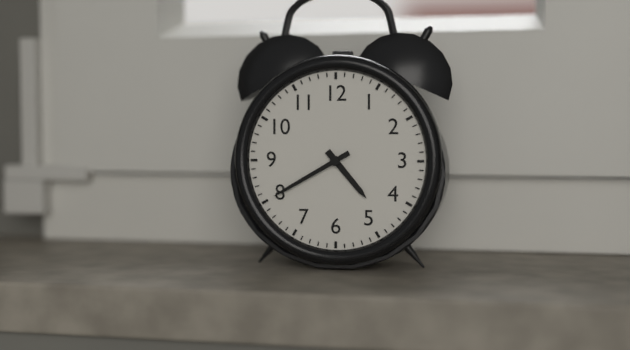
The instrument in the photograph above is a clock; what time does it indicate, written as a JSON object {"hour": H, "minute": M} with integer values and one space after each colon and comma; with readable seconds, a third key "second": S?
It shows {"hour": 4, "minute": 40}
